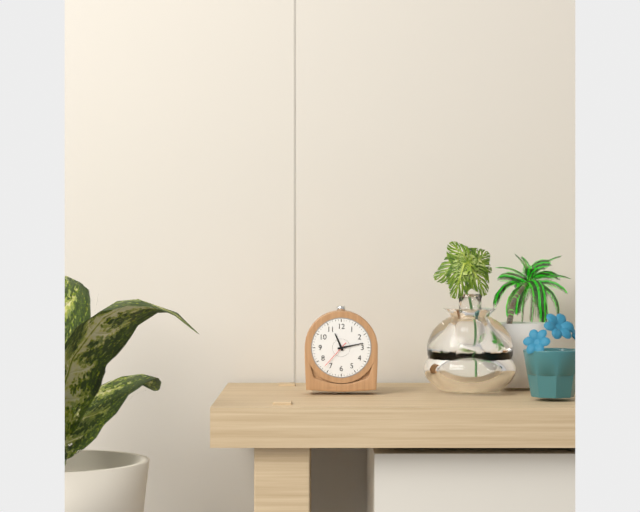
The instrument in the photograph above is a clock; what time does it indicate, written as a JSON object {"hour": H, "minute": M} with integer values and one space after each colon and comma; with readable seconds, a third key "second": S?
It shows {"hour": 11, "minute": 13}
